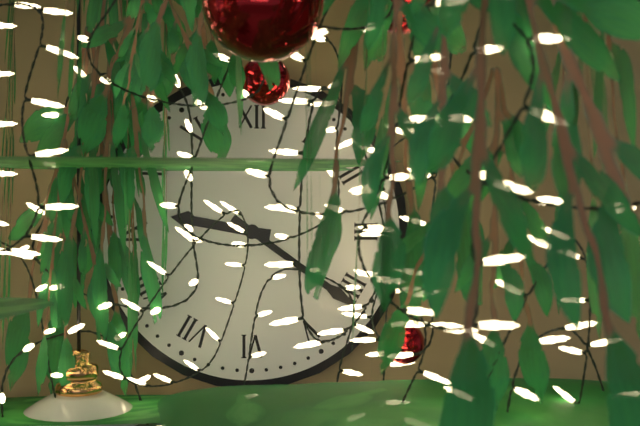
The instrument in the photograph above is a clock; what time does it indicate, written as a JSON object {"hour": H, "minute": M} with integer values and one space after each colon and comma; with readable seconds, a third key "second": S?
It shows {"hour": 9, "minute": 21}
